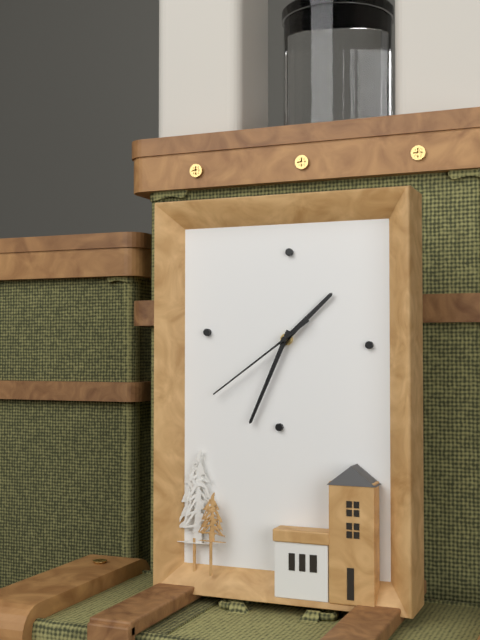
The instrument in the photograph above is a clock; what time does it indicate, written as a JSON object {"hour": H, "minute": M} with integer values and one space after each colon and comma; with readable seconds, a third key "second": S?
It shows {"hour": 1, "minute": 34, "second": 39}
